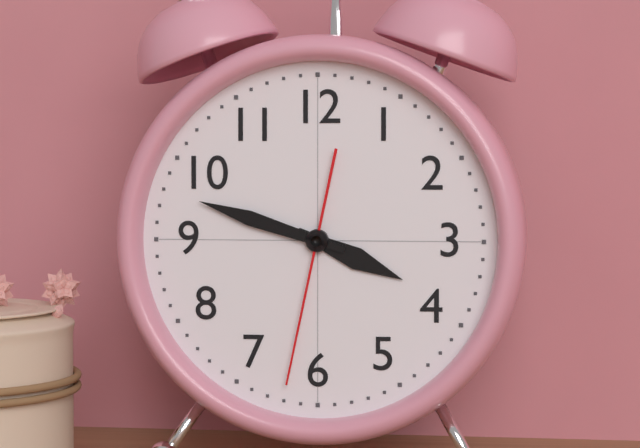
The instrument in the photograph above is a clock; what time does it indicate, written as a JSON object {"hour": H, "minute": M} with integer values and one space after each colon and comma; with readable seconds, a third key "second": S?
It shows {"hour": 3, "minute": 48, "second": 32}
